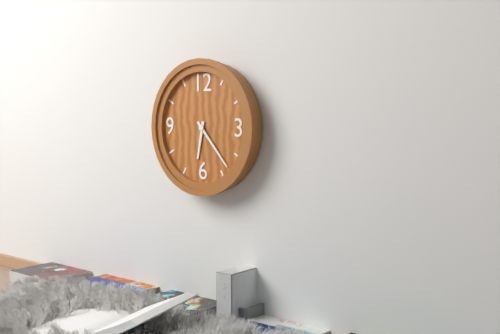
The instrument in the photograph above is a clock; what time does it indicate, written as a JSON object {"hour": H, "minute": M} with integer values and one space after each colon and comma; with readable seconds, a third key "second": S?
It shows {"hour": 6, "minute": 23}
